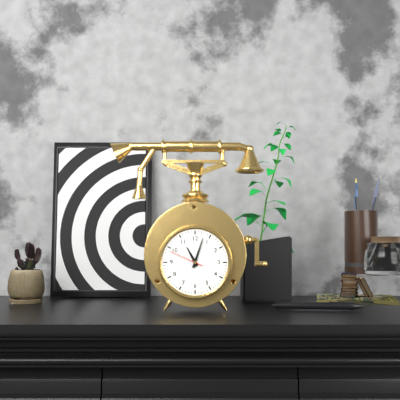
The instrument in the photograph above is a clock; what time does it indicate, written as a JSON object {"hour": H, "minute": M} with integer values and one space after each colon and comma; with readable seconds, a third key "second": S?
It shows {"hour": 11, "minute": 3}
